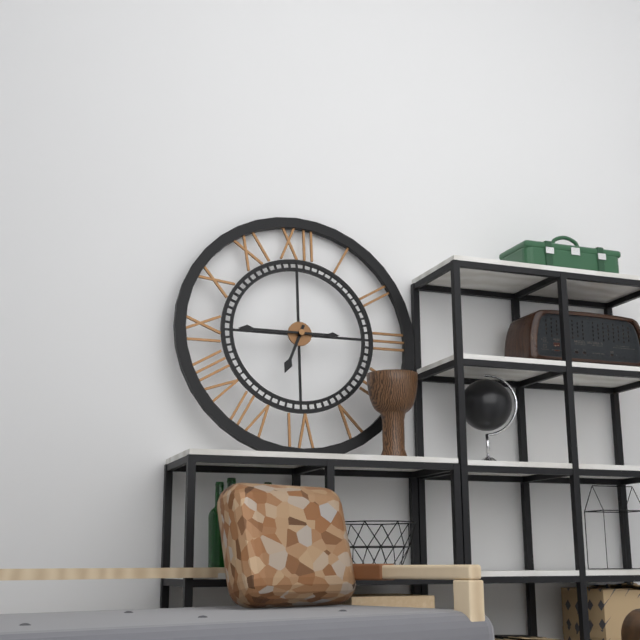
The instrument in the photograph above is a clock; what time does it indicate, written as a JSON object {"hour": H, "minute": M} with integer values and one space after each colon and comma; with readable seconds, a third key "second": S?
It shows {"hour": 6, "minute": 45}
